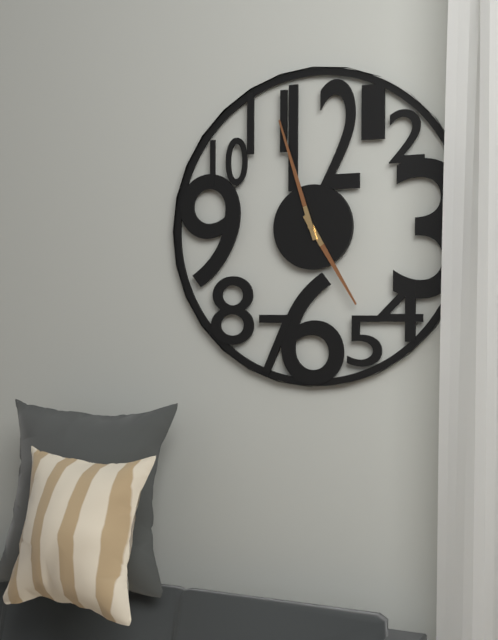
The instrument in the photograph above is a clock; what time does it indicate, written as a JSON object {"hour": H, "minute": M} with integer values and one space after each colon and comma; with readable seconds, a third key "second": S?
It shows {"hour": 4, "minute": 57}
